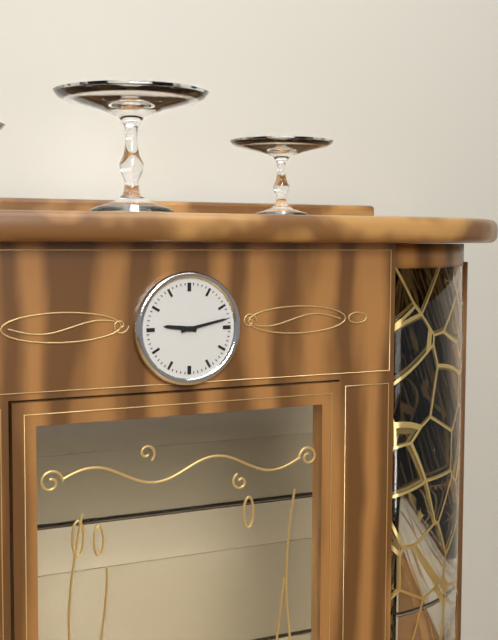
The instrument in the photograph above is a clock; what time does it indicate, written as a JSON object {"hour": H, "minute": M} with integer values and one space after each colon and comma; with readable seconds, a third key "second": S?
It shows {"hour": 9, "minute": 13}
